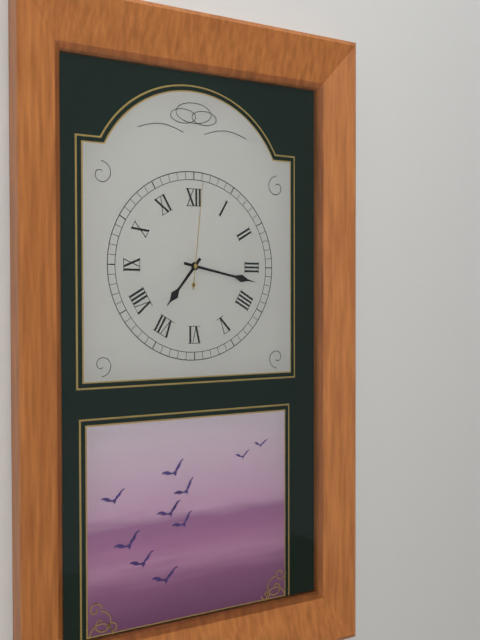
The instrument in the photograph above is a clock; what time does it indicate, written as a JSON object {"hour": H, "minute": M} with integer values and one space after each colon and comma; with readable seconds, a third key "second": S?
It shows {"hour": 7, "minute": 17, "second": 1}
